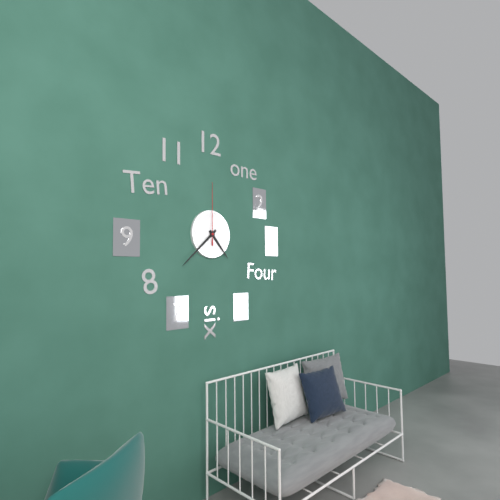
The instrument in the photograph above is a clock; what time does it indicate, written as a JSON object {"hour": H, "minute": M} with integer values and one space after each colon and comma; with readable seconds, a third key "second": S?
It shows {"hour": 4, "minute": 38, "second": 0}
